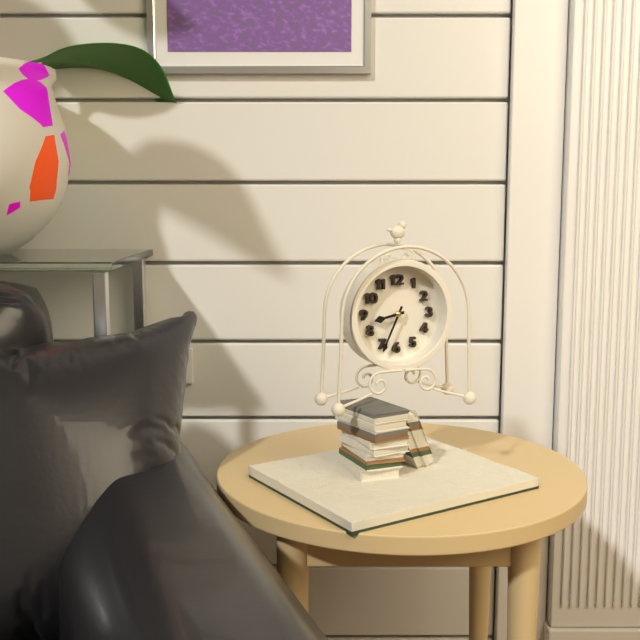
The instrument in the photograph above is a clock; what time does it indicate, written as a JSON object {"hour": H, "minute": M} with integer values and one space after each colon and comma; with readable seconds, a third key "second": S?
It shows {"hour": 8, "minute": 34}
